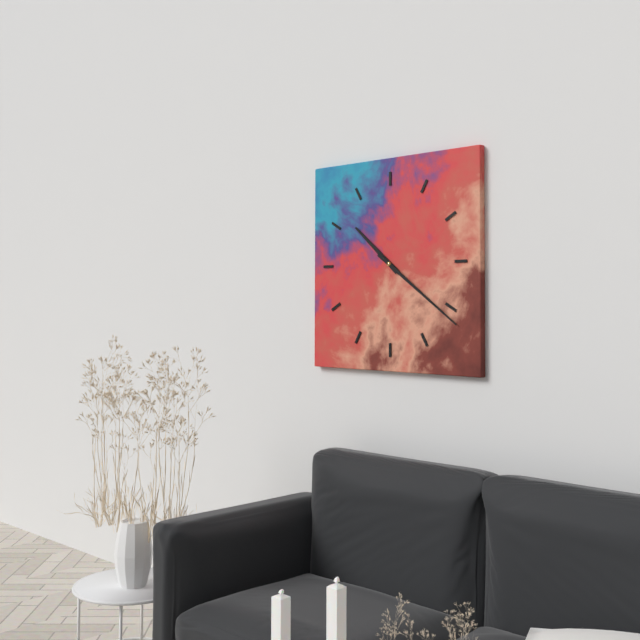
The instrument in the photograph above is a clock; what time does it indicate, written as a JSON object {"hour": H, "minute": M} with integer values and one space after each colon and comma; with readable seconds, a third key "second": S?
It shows {"hour": 10, "minute": 21}
